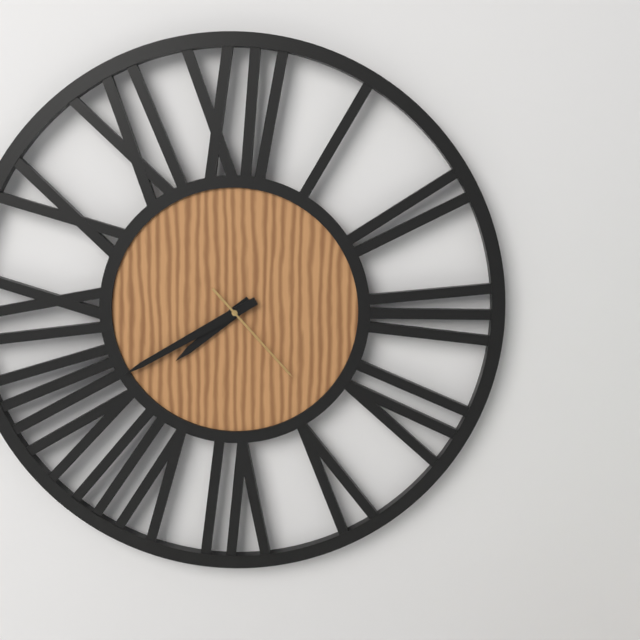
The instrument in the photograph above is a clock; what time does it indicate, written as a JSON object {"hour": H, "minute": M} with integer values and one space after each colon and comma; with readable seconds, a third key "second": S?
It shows {"hour": 7, "minute": 40, "second": 23}
